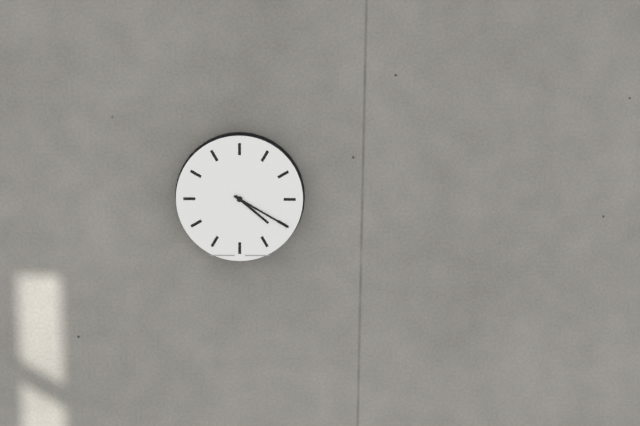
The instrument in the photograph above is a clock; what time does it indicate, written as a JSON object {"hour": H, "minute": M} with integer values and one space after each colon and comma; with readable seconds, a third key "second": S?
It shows {"hour": 4, "minute": 20}
